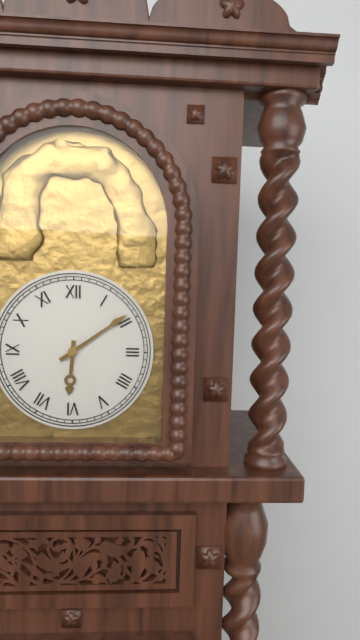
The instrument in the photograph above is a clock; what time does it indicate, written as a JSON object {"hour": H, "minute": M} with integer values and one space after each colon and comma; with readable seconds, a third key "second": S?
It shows {"hour": 6, "minute": 9}
